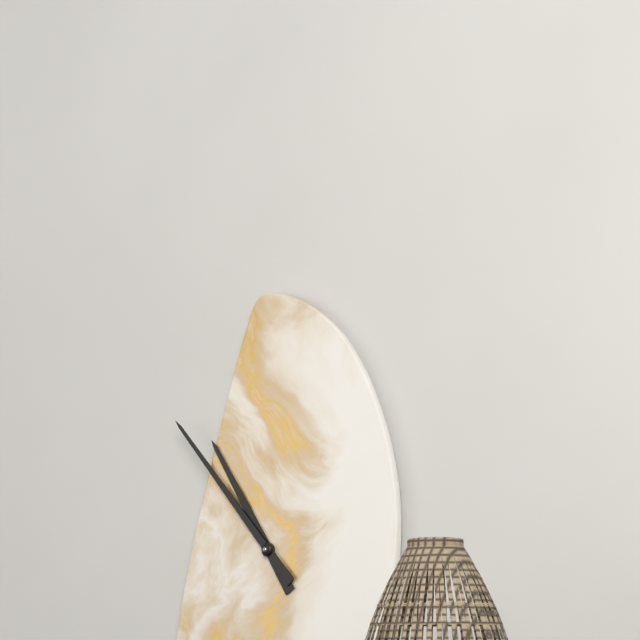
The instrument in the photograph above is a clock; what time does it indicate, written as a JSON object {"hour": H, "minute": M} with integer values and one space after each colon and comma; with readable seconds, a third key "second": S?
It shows {"hour": 10, "minute": 53}
